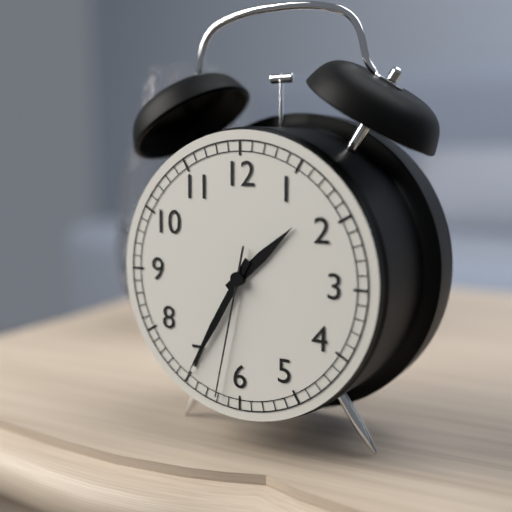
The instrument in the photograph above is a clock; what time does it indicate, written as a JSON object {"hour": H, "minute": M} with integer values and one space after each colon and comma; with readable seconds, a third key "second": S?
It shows {"hour": 1, "minute": 35, "second": 32}
